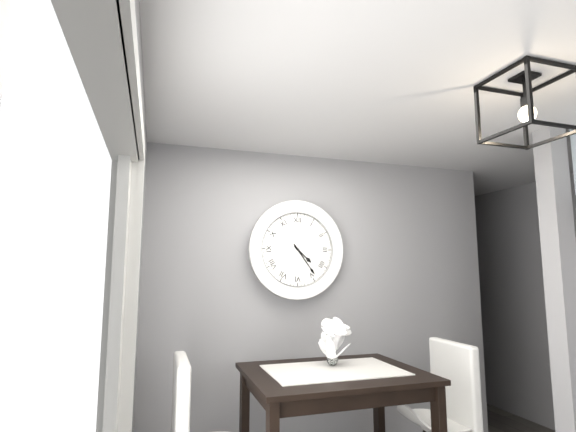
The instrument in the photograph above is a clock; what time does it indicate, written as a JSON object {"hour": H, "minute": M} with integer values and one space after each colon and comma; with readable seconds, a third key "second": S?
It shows {"hour": 4, "minute": 24}
